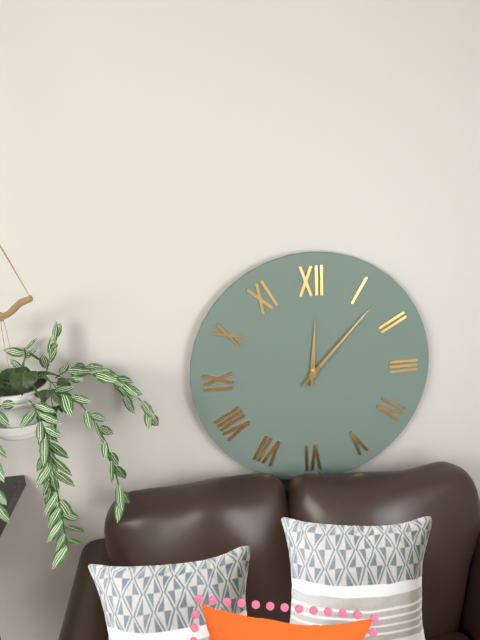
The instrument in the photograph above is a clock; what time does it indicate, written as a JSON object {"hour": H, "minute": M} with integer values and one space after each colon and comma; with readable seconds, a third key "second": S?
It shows {"hour": 12, "minute": 7}
